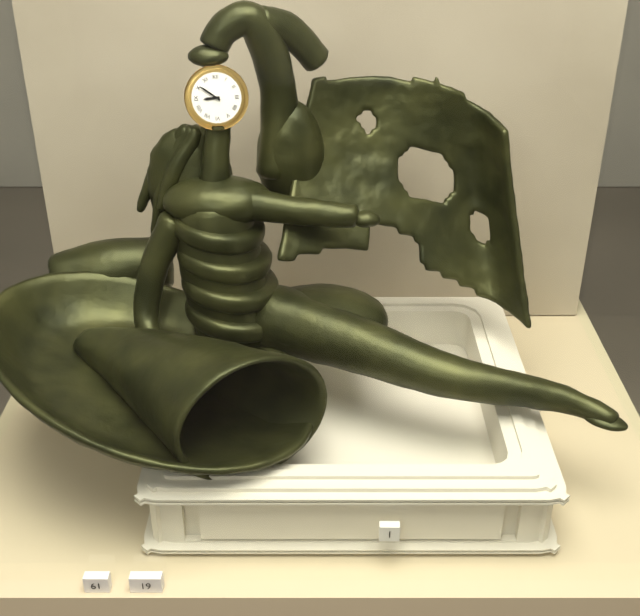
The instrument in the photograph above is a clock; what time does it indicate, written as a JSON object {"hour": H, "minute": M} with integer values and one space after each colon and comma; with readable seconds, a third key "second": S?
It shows {"hour": 8, "minute": 51}
